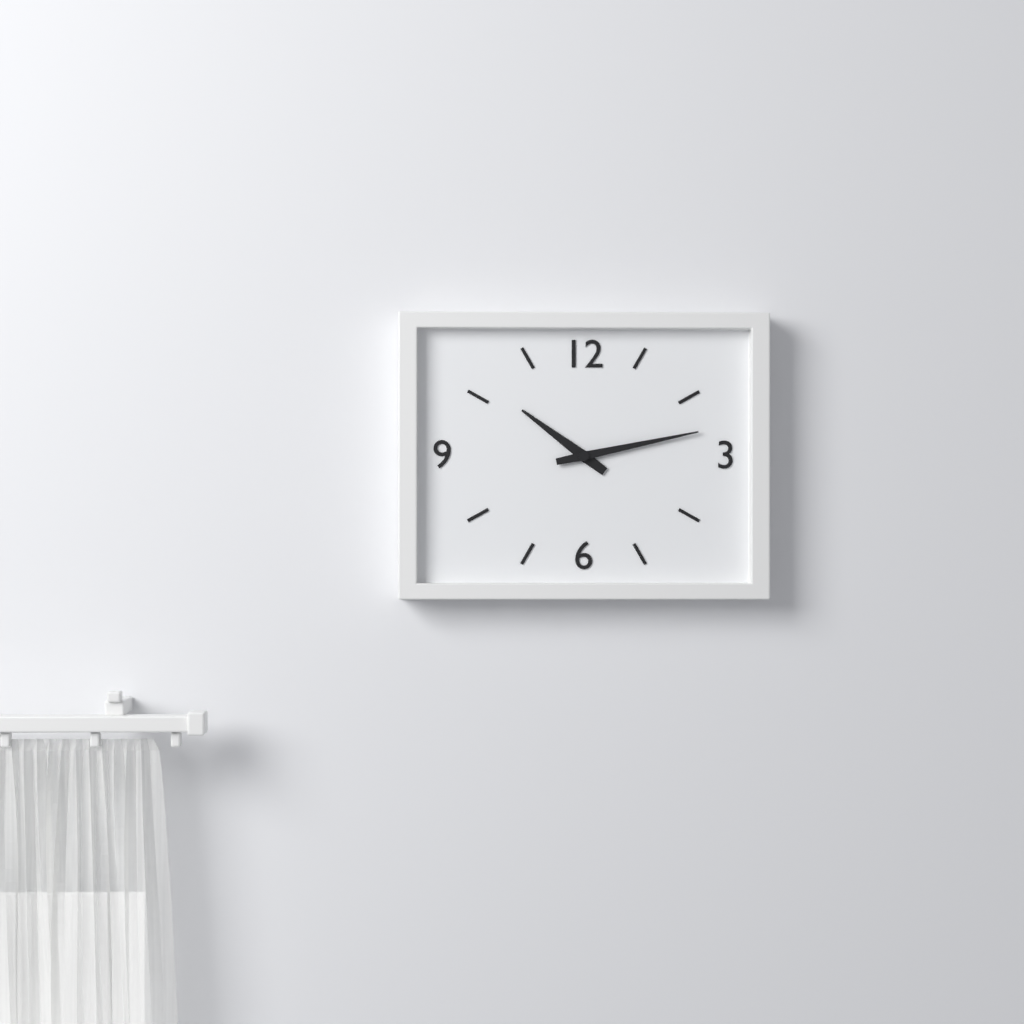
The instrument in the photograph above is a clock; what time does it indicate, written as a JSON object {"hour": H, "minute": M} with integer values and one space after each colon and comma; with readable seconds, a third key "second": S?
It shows {"hour": 10, "minute": 13}
